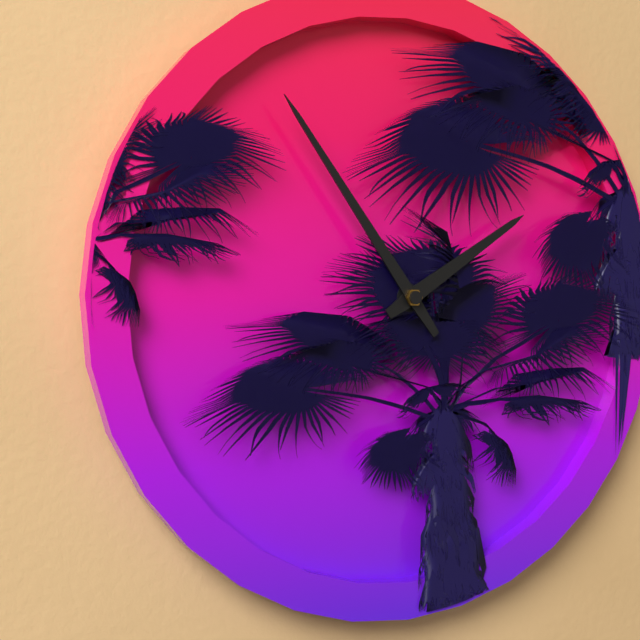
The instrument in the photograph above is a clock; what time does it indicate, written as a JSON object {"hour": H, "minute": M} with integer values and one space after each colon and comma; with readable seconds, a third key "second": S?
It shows {"hour": 1, "minute": 54}
